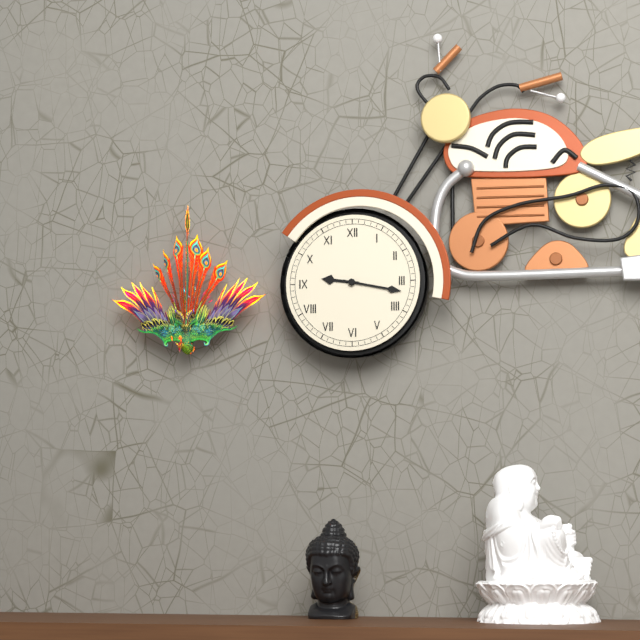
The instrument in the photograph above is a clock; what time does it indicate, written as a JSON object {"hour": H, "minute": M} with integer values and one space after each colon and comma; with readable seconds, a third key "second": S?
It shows {"hour": 9, "minute": 17}
